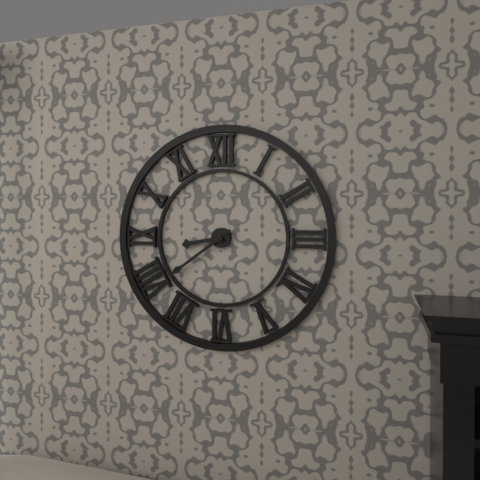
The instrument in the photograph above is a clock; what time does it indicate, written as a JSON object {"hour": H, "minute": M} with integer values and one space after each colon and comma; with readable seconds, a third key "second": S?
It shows {"hour": 8, "minute": 39}
